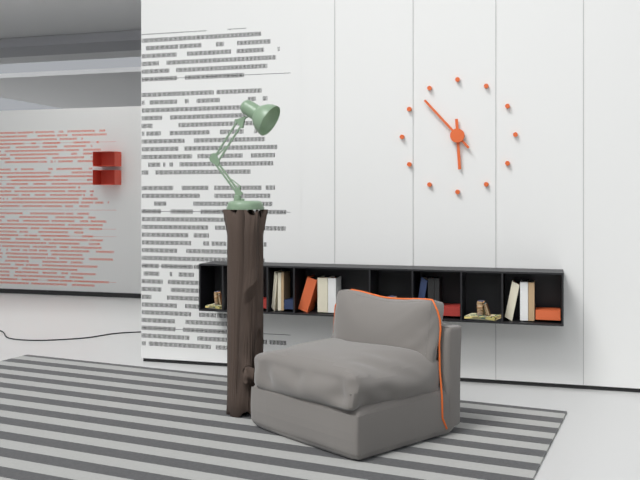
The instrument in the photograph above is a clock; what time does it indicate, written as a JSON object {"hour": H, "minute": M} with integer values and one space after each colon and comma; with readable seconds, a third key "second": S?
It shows {"hour": 5, "minute": 53}
